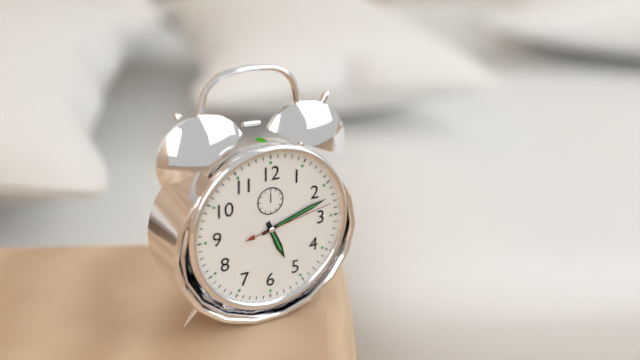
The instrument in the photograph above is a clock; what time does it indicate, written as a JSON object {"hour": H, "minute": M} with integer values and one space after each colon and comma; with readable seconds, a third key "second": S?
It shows {"hour": 5, "minute": 12, "second": 13}
